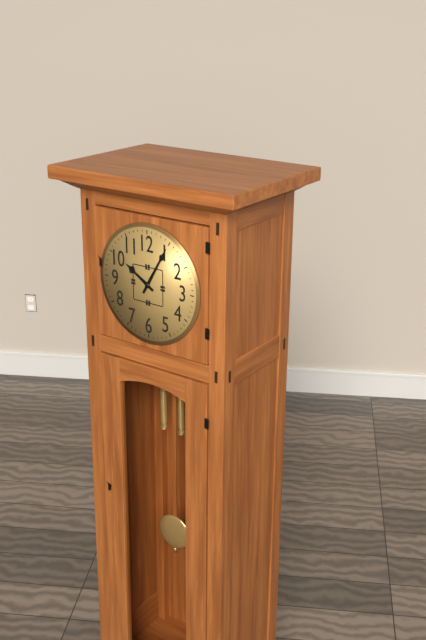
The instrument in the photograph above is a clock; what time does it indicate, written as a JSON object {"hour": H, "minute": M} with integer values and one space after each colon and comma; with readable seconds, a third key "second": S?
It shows {"hour": 10, "minute": 5}
